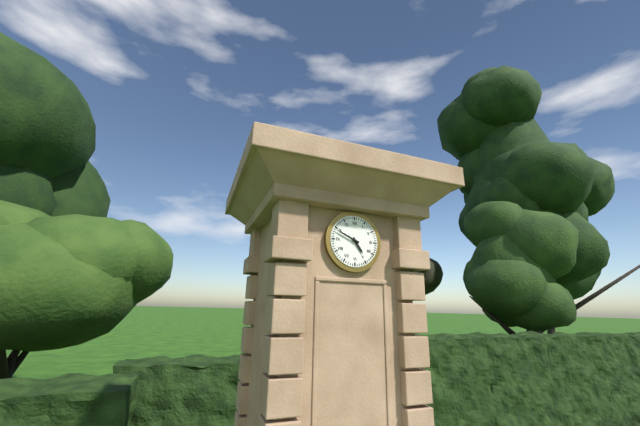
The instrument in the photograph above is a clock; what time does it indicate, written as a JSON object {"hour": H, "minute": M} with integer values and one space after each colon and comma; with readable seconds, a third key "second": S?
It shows {"hour": 4, "minute": 49}
